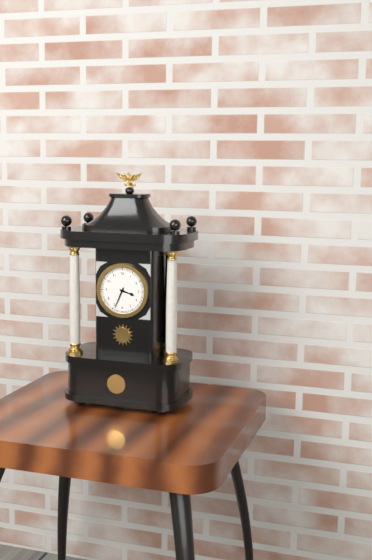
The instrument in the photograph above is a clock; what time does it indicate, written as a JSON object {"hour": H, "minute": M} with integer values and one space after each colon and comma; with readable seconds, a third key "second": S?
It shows {"hour": 3, "minute": 34}
